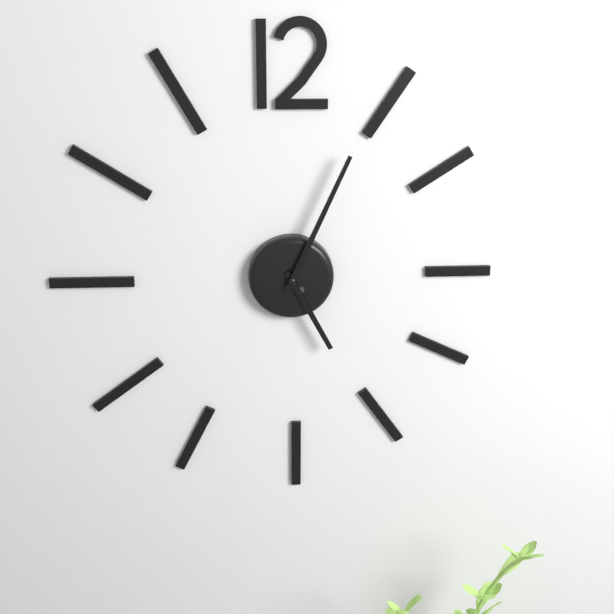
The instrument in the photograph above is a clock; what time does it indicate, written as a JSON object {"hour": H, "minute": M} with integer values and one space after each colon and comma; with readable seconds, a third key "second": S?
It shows {"hour": 5, "minute": 4}
